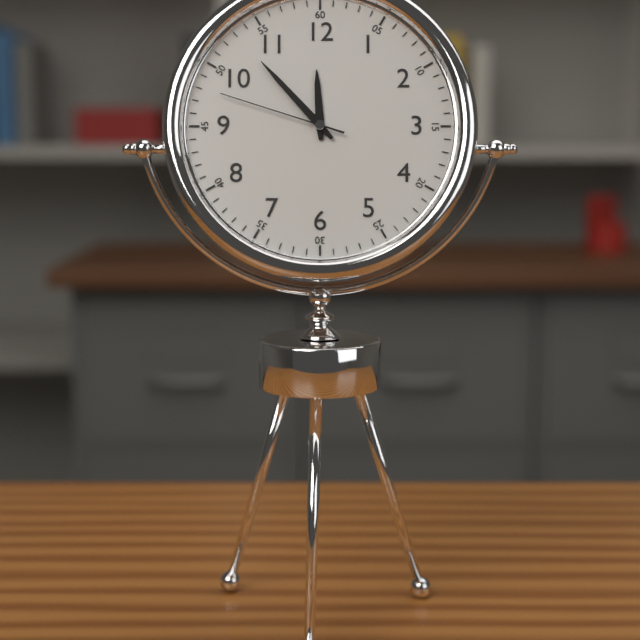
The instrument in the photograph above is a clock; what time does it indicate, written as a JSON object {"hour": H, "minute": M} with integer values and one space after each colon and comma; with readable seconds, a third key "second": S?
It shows {"hour": 11, "minute": 53, "second": 48}
